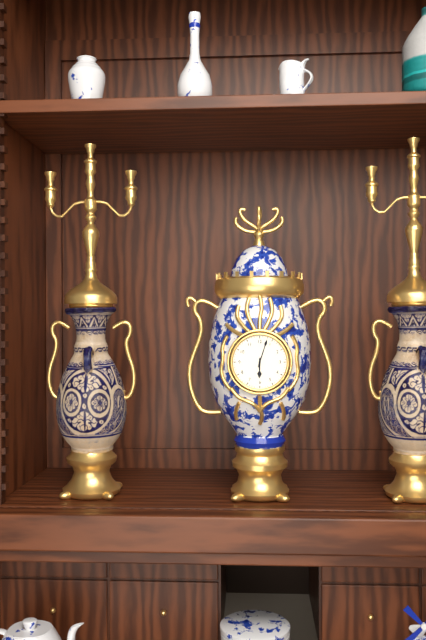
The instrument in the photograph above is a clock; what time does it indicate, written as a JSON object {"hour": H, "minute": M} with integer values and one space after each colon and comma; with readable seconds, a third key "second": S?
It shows {"hour": 6, "minute": 3}
